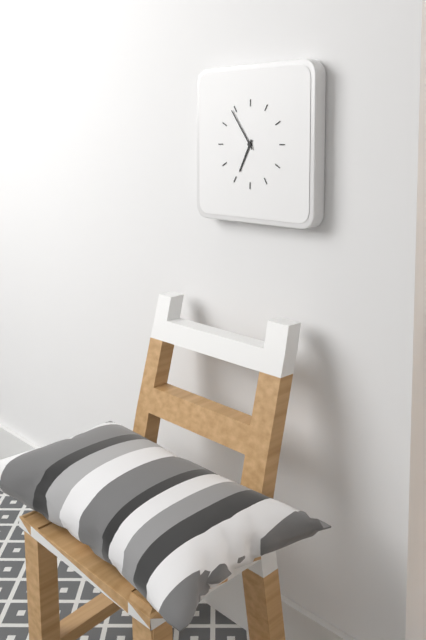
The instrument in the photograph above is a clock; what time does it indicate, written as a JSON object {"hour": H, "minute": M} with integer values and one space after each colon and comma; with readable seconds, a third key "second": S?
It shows {"hour": 6, "minute": 54}
